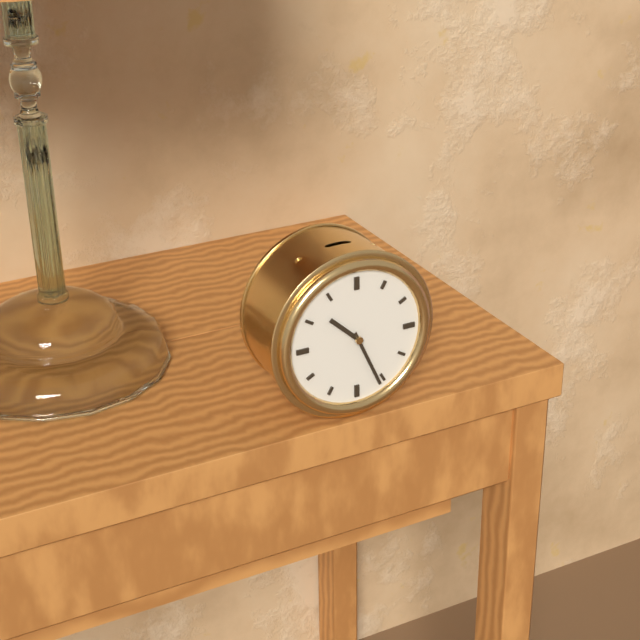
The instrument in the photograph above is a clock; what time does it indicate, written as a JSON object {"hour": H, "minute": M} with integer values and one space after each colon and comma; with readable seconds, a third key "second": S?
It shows {"hour": 10, "minute": 26}
